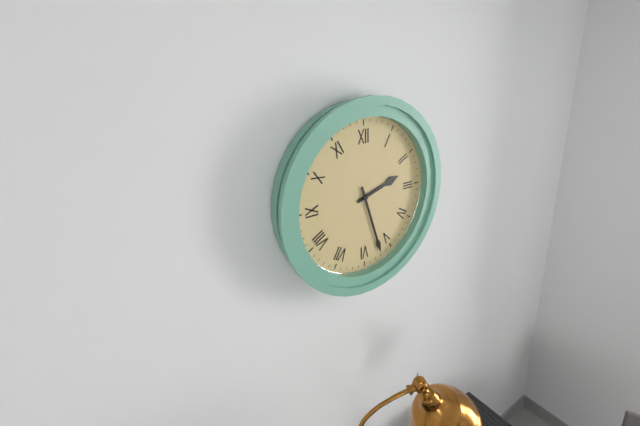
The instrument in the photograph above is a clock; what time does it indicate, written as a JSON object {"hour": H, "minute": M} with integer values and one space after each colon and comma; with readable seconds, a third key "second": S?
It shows {"hour": 2, "minute": 27}
